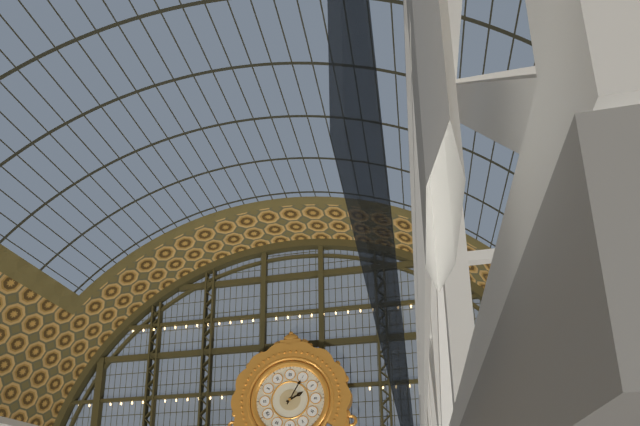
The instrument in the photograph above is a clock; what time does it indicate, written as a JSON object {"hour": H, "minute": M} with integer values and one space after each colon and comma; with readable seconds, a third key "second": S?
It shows {"hour": 2, "minute": 5}
